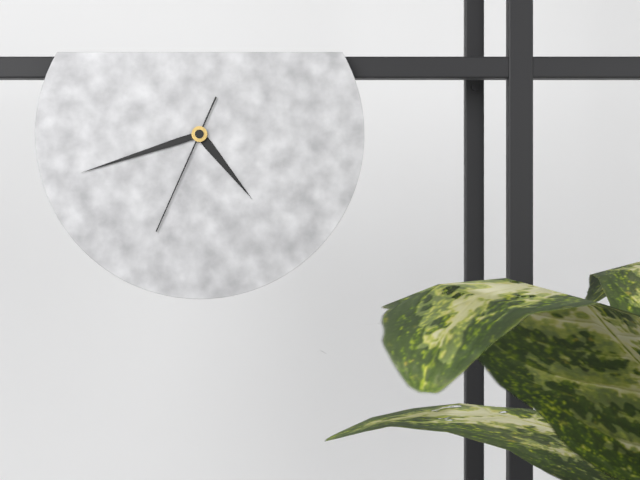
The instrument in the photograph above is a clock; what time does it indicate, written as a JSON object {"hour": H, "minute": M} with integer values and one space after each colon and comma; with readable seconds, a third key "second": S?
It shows {"hour": 4, "minute": 42, "second": 34}
